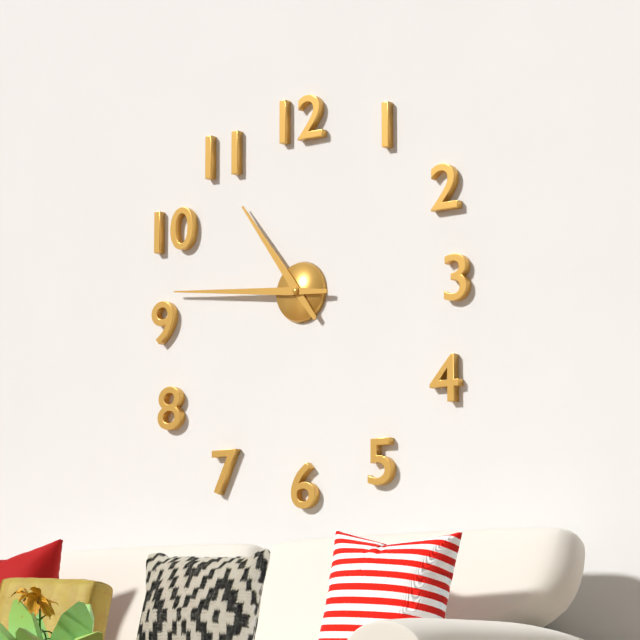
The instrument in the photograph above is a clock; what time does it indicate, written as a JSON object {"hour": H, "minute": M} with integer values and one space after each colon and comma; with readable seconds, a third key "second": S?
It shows {"hour": 10, "minute": 46}
